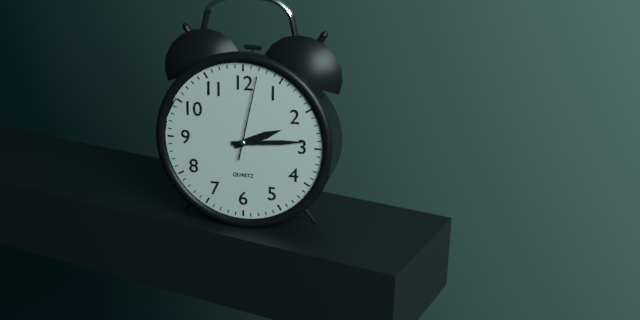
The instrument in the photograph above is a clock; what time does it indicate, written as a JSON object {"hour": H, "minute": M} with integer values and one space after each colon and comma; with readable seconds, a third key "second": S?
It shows {"hour": 2, "minute": 14, "second": 2}
